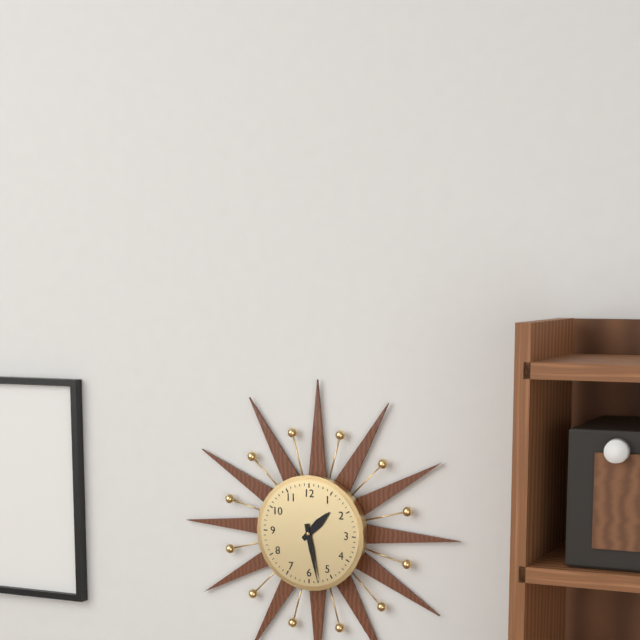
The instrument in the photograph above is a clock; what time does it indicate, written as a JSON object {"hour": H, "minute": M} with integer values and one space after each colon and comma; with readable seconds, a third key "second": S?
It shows {"hour": 1, "minute": 28}
